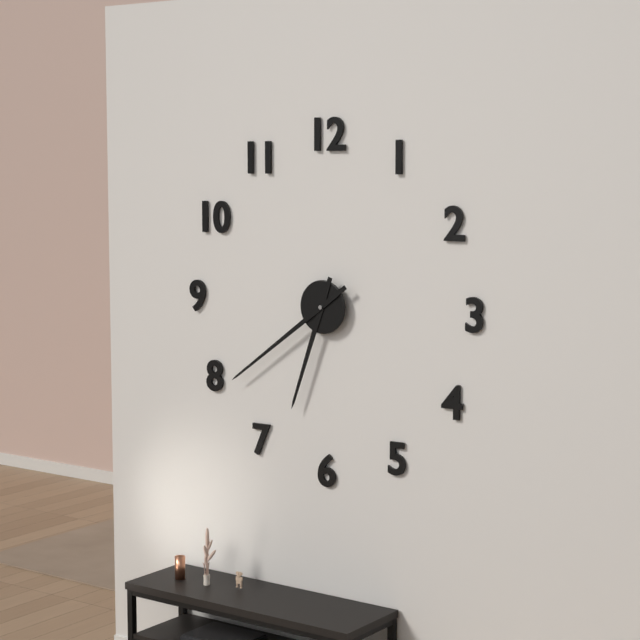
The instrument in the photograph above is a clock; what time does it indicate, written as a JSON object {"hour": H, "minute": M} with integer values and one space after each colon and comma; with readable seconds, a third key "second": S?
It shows {"hour": 6, "minute": 39}
